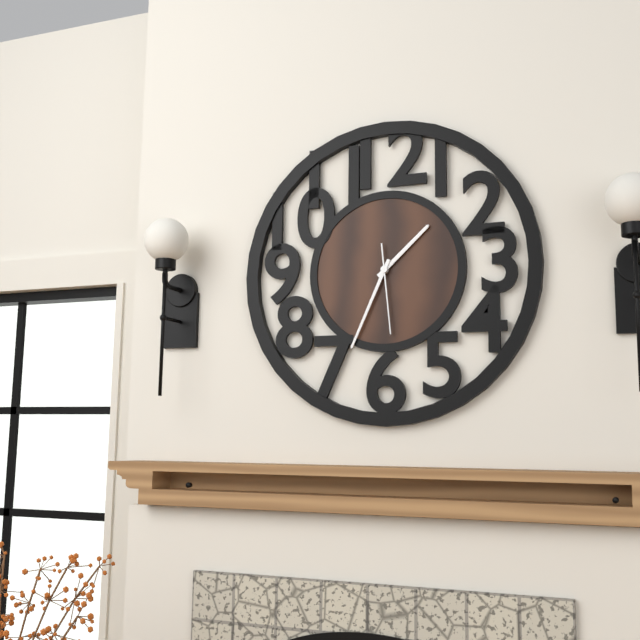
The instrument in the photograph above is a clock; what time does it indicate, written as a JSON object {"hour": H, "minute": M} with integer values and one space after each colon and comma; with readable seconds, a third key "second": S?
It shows {"hour": 1, "minute": 34, "second": 29}
